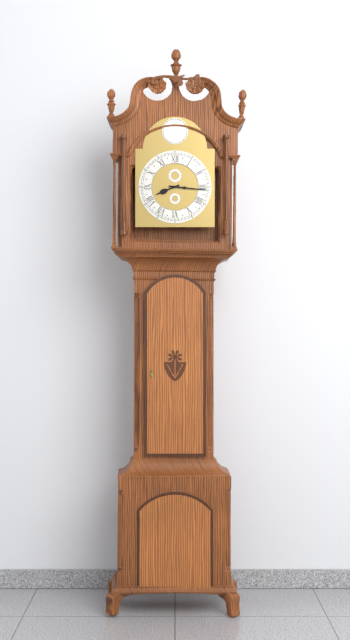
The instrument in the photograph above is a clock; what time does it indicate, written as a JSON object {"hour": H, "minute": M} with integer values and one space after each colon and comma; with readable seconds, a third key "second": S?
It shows {"hour": 8, "minute": 16}
